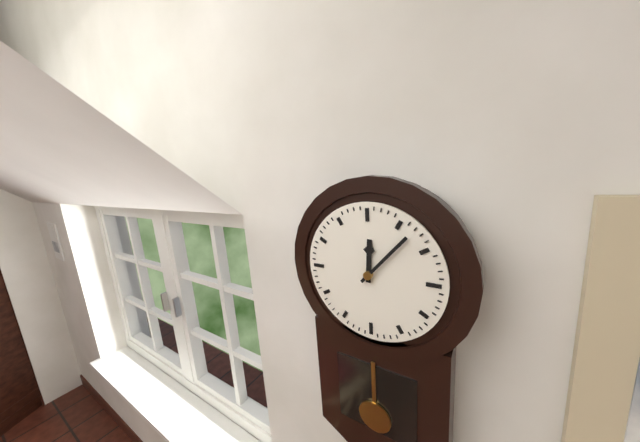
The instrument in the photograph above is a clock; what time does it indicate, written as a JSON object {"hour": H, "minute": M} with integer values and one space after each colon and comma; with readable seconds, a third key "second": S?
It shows {"hour": 12, "minute": 7}
